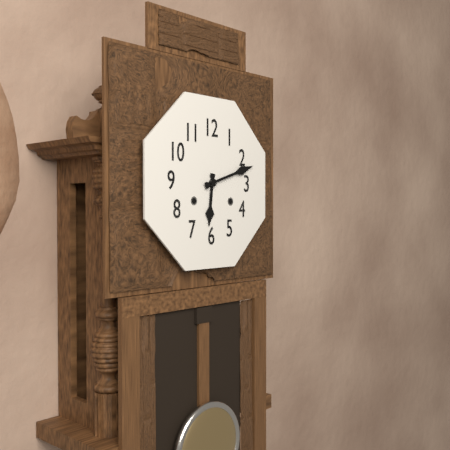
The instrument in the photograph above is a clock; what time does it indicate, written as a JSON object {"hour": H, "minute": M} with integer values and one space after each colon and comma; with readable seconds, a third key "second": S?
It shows {"hour": 6, "minute": 12}
